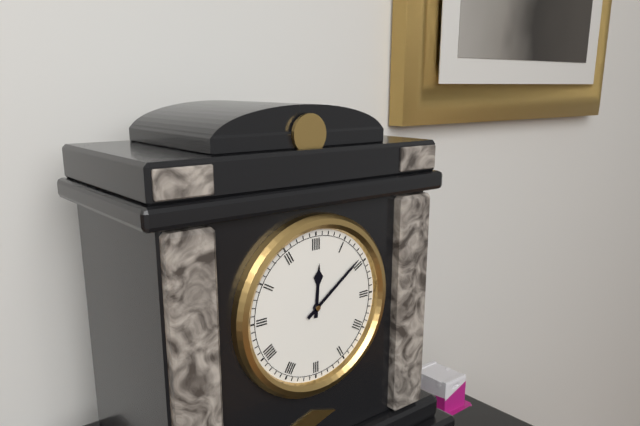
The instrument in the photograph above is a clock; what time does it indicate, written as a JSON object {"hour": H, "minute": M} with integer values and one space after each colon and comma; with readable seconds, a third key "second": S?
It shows {"hour": 12, "minute": 9}
